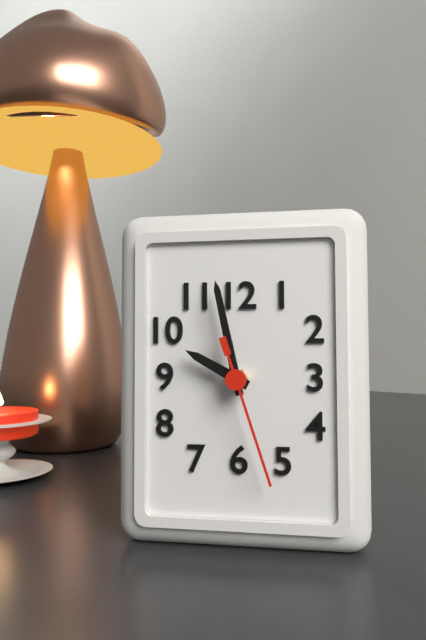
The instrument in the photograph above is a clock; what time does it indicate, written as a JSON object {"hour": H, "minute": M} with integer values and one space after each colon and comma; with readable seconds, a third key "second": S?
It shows {"hour": 9, "minute": 58, "second": 27}
